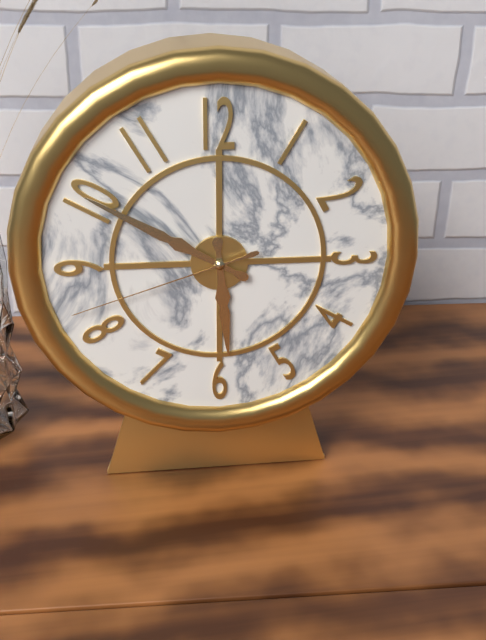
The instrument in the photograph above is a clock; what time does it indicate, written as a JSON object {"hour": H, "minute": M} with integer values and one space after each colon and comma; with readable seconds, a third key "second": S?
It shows {"hour": 5, "minute": 50, "second": 42}
